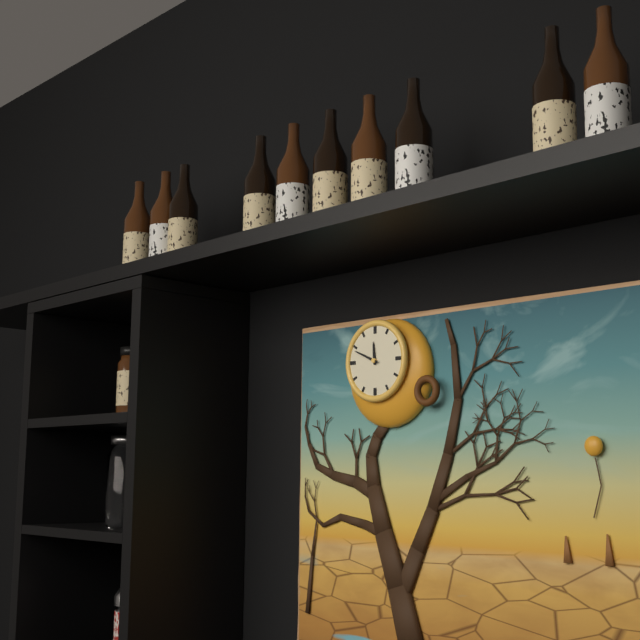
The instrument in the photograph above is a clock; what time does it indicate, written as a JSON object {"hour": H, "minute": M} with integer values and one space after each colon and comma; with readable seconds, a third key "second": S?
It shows {"hour": 11, "minute": 49}
